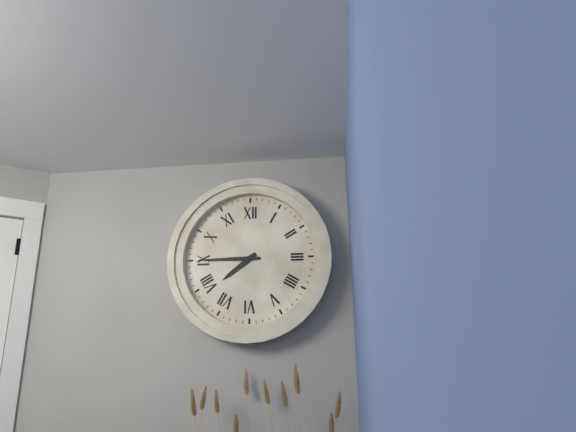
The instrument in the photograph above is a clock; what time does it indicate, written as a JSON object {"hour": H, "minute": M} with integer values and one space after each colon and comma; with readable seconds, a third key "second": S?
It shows {"hour": 7, "minute": 45}
